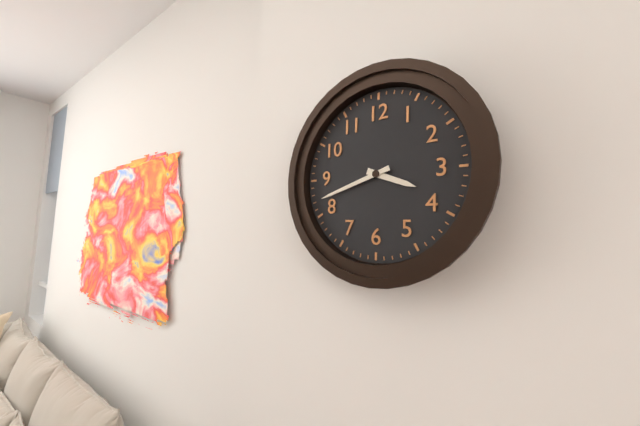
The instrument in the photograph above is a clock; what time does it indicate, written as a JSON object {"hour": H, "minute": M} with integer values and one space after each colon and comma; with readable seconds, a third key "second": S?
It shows {"hour": 3, "minute": 42}
